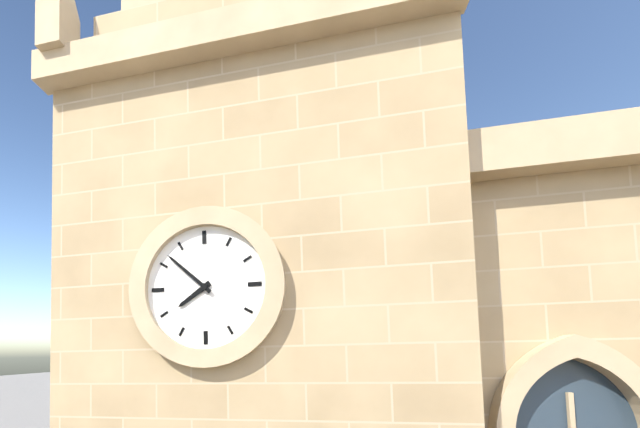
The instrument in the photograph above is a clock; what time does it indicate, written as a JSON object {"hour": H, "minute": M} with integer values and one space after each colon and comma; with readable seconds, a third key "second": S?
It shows {"hour": 7, "minute": 52}
